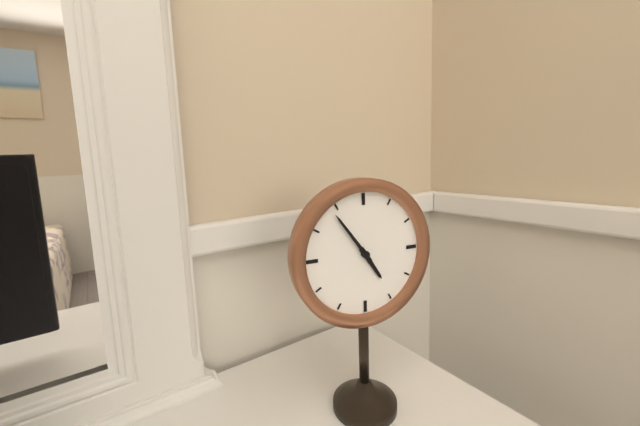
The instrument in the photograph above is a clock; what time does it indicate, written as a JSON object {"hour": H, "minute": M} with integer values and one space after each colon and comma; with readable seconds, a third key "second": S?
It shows {"hour": 4, "minute": 54}
